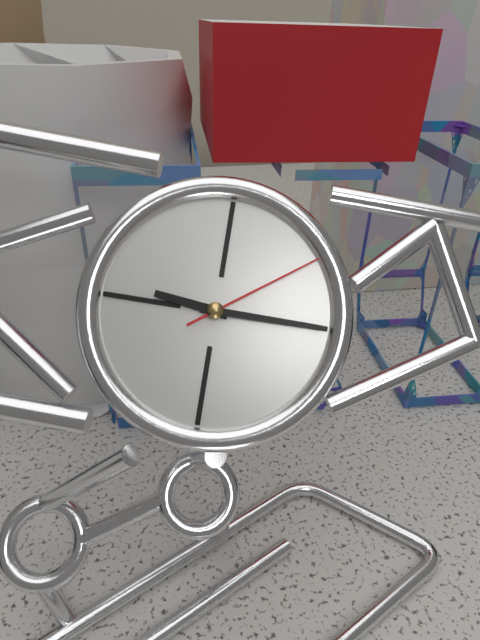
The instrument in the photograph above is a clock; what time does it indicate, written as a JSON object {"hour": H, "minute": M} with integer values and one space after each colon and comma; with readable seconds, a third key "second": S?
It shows {"hour": 9, "minute": 15, "second": 9}
